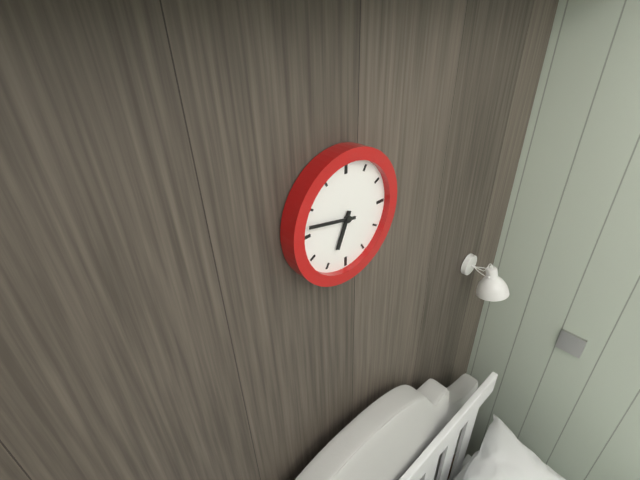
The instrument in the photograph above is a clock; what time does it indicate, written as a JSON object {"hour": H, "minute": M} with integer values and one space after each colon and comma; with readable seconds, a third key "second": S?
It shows {"hour": 6, "minute": 47}
